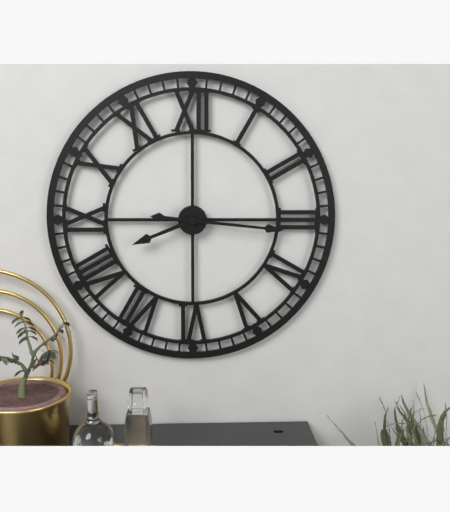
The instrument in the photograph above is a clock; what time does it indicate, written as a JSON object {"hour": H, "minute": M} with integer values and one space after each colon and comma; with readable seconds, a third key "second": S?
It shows {"hour": 8, "minute": 16}
